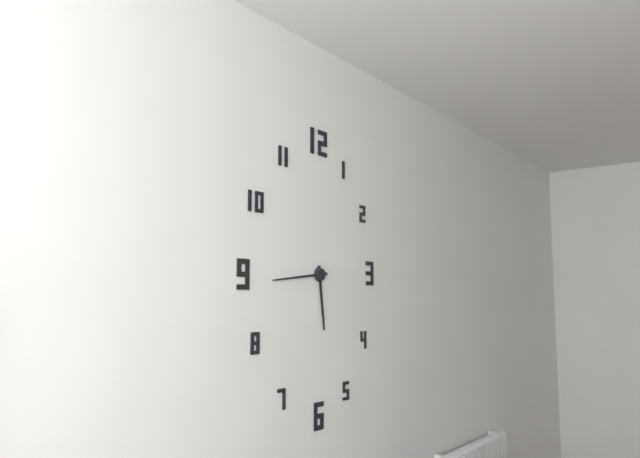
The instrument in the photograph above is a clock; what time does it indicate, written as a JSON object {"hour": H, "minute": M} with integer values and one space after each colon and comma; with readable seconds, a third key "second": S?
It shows {"hour": 5, "minute": 44}
